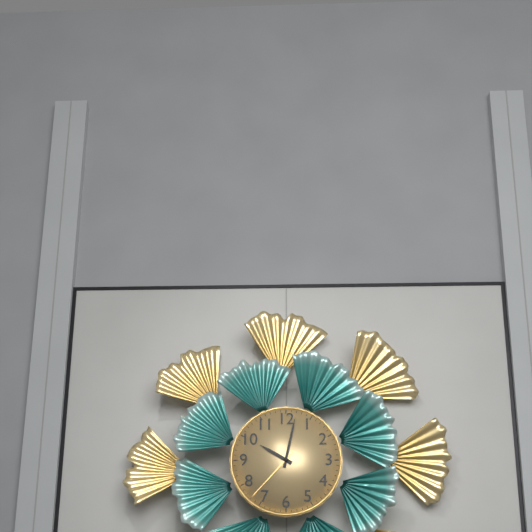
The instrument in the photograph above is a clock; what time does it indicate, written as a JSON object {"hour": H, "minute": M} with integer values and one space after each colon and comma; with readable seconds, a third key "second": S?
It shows {"hour": 10, "minute": 2, "second": 37}
